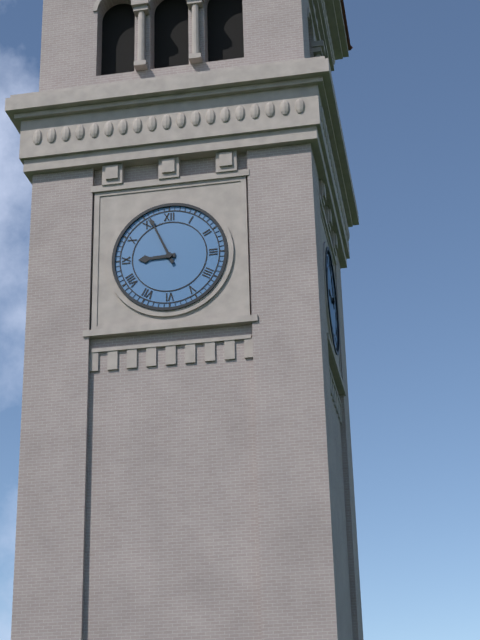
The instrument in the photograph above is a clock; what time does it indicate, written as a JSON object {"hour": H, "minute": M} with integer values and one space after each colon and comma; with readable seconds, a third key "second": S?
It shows {"hour": 8, "minute": 56}
